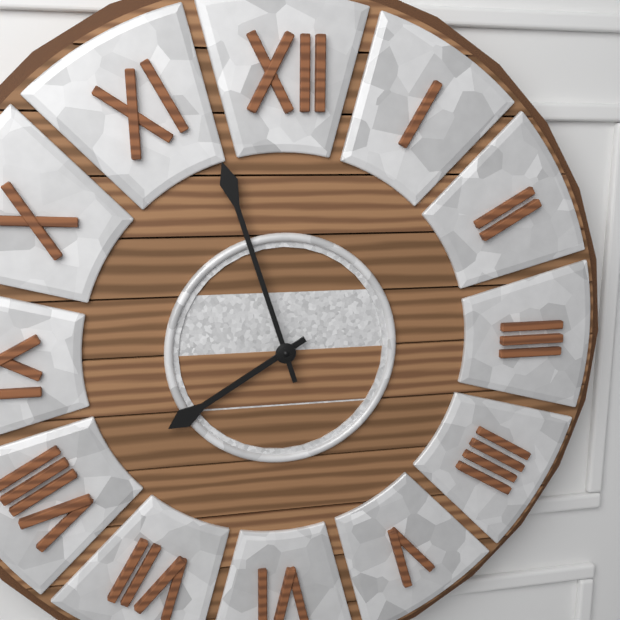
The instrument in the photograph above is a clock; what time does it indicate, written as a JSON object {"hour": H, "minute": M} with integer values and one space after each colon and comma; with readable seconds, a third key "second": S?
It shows {"hour": 7, "minute": 57}
